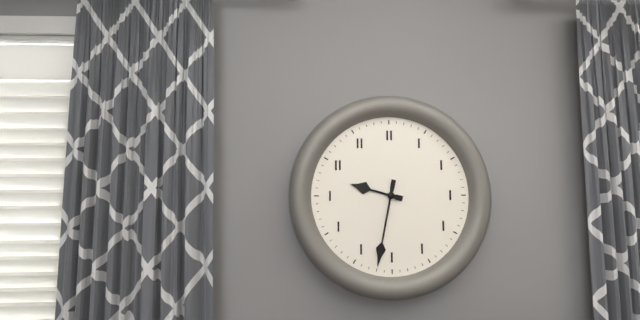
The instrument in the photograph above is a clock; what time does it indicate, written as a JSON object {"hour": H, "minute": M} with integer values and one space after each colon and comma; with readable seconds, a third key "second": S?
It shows {"hour": 9, "minute": 32}
